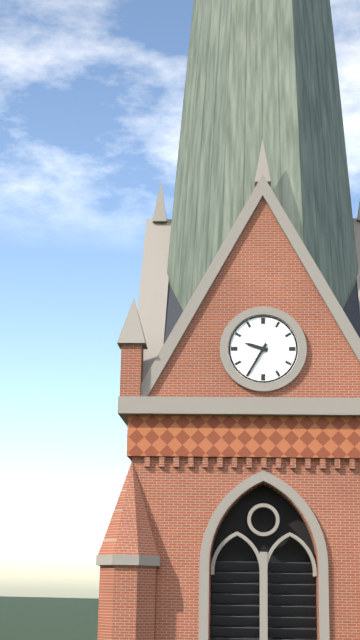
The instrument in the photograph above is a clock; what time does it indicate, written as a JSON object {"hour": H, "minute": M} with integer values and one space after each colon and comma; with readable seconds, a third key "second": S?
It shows {"hour": 9, "minute": 35}
